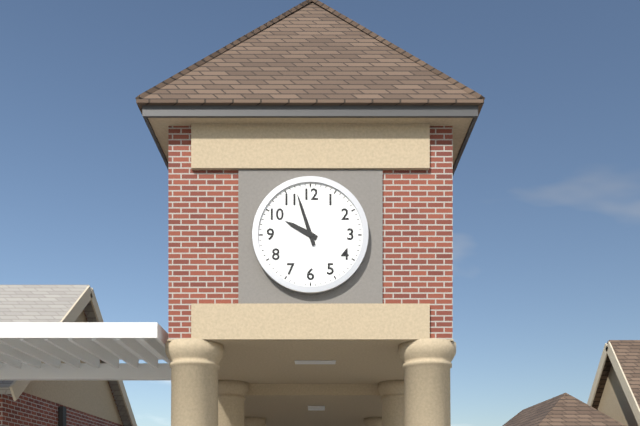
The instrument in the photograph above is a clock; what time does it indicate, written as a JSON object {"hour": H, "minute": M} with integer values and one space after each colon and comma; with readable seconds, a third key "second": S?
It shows {"hour": 9, "minute": 57}
